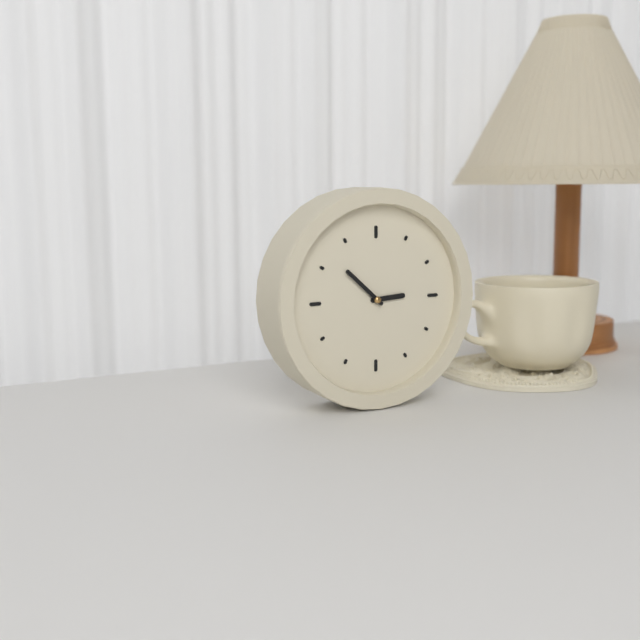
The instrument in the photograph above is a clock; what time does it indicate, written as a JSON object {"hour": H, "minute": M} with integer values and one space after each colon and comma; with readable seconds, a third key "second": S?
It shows {"hour": 2, "minute": 52}
